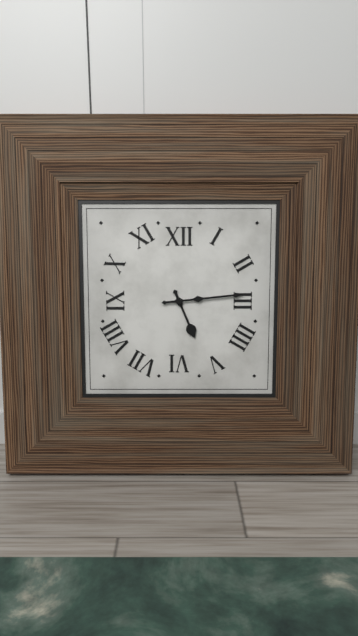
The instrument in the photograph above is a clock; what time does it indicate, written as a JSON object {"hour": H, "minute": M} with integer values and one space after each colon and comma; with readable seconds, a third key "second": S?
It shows {"hour": 5, "minute": 14}
